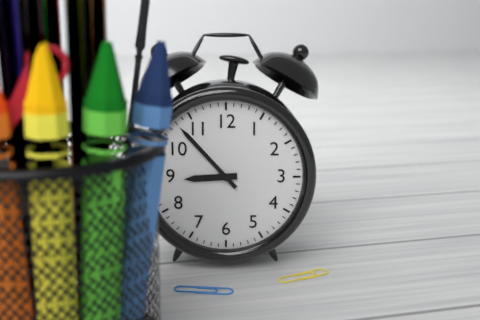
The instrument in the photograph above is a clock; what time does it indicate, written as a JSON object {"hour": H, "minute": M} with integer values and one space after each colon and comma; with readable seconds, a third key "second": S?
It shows {"hour": 8, "minute": 53}
